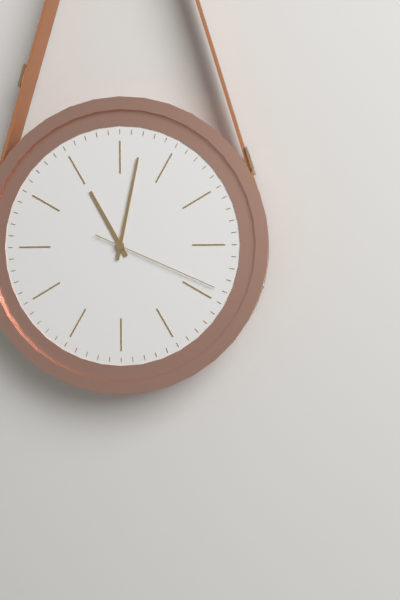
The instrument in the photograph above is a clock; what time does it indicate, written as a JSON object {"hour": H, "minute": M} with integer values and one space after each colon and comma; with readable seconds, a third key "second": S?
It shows {"hour": 11, "minute": 2, "second": 19}
